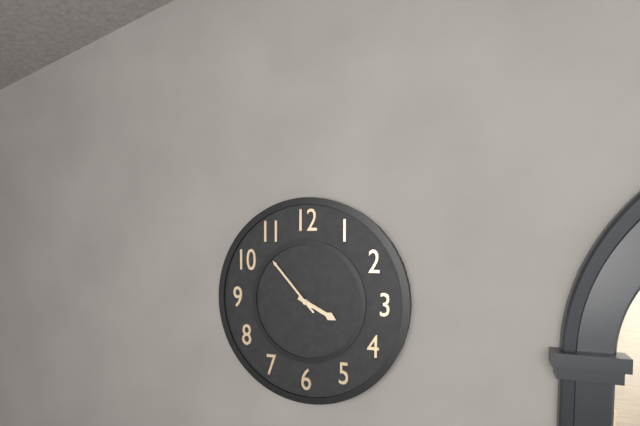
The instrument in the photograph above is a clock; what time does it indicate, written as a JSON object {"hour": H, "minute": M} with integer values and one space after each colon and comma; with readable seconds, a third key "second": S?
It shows {"hour": 3, "minute": 53}
